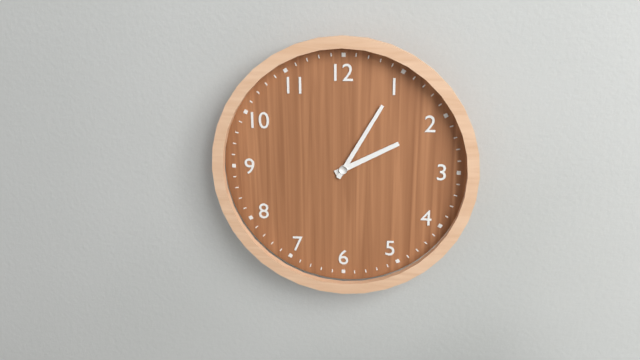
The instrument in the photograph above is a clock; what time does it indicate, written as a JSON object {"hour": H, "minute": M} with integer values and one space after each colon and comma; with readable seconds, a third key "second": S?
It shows {"hour": 2, "minute": 5}
